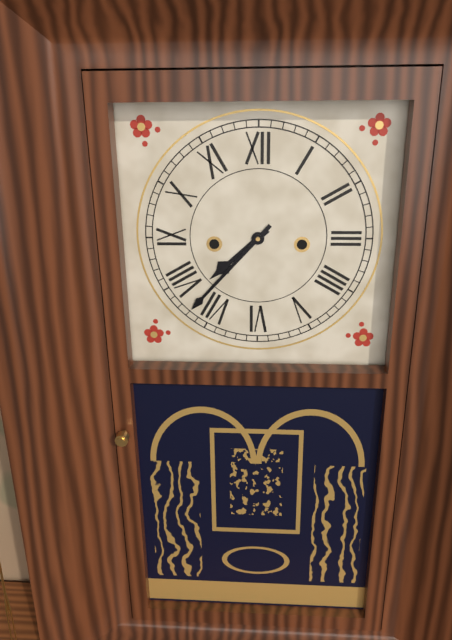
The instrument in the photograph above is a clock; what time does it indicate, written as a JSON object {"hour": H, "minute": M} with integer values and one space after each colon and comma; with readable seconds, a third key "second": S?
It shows {"hour": 7, "minute": 37}
